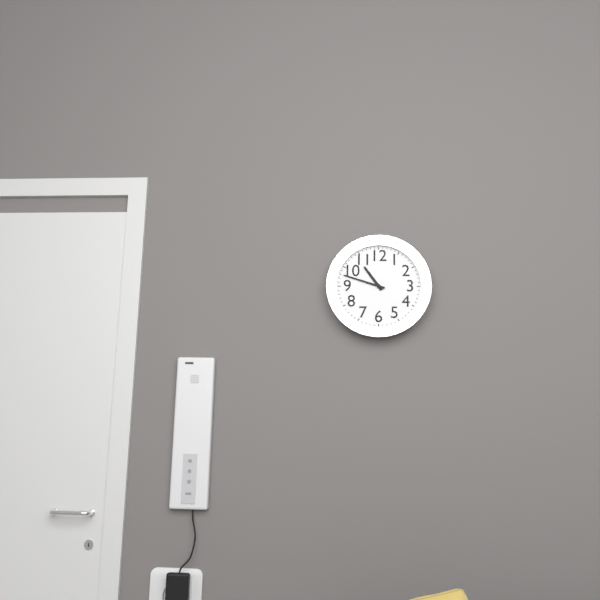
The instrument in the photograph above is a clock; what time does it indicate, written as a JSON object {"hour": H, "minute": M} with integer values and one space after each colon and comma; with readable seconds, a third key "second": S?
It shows {"hour": 10, "minute": 48}
